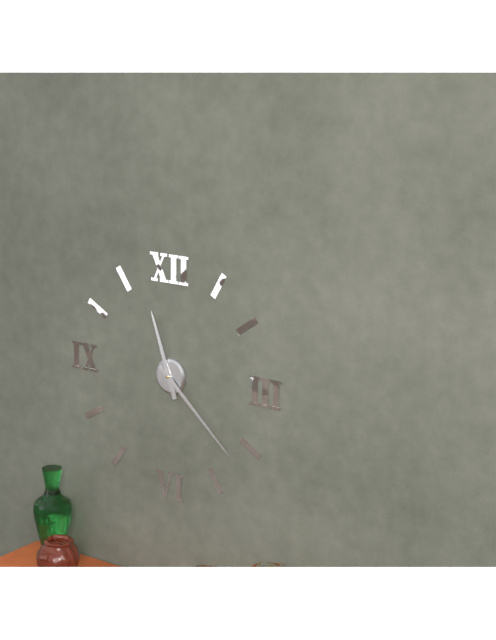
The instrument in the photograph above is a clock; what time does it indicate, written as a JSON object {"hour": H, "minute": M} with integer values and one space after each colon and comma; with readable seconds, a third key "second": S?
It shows {"hour": 11, "minute": 22}
